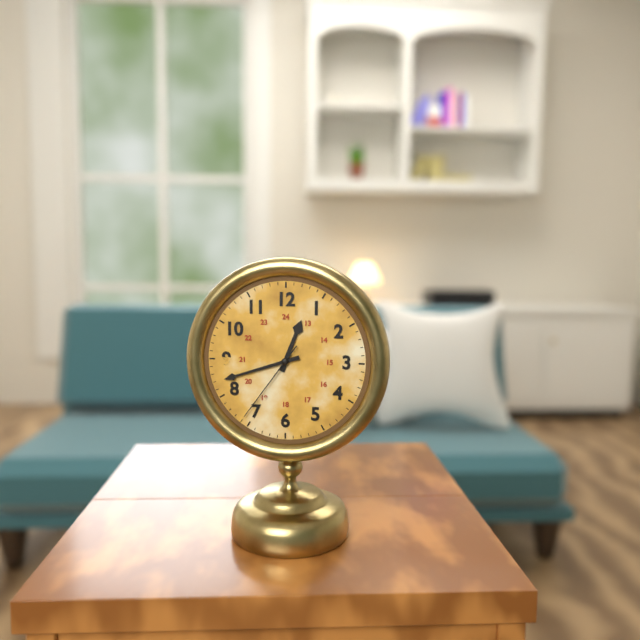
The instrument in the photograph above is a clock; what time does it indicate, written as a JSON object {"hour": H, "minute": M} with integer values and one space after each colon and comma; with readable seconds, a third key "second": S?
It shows {"hour": 12, "minute": 42, "second": 36}
